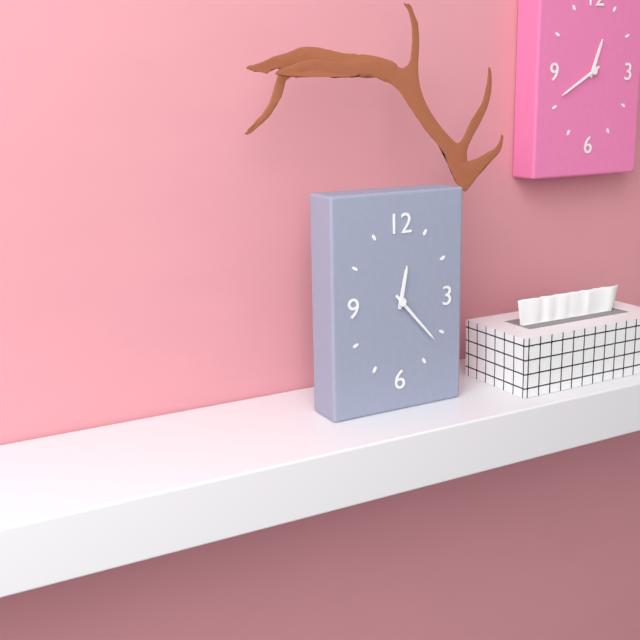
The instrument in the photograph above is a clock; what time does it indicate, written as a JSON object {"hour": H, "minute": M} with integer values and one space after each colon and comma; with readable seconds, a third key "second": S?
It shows {"hour": 12, "minute": 23}
